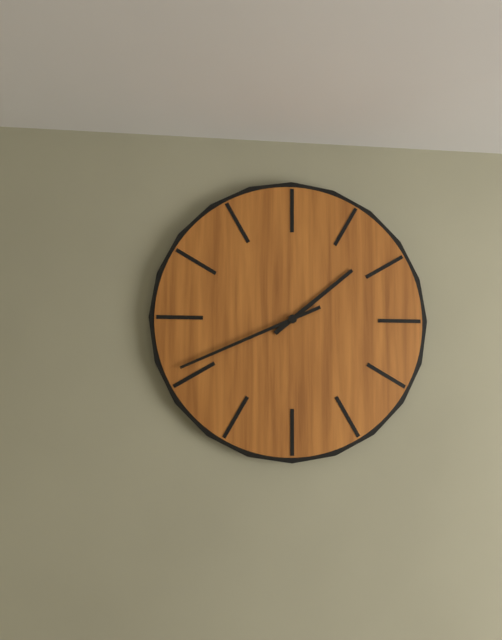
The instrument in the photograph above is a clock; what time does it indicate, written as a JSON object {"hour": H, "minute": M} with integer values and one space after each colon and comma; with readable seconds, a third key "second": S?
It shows {"hour": 1, "minute": 41}
